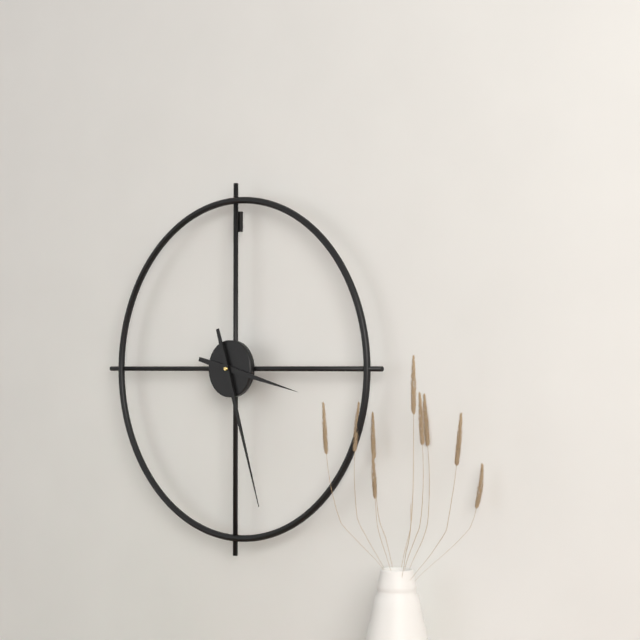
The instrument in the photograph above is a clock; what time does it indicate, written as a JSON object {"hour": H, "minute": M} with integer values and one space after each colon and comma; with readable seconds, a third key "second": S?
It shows {"hour": 3, "minute": 27}
